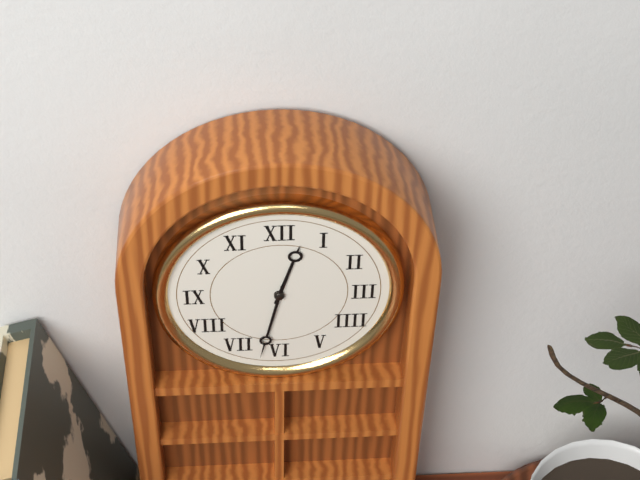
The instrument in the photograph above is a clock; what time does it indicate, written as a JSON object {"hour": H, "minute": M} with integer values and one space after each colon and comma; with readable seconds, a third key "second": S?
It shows {"hour": 12, "minute": 32}
